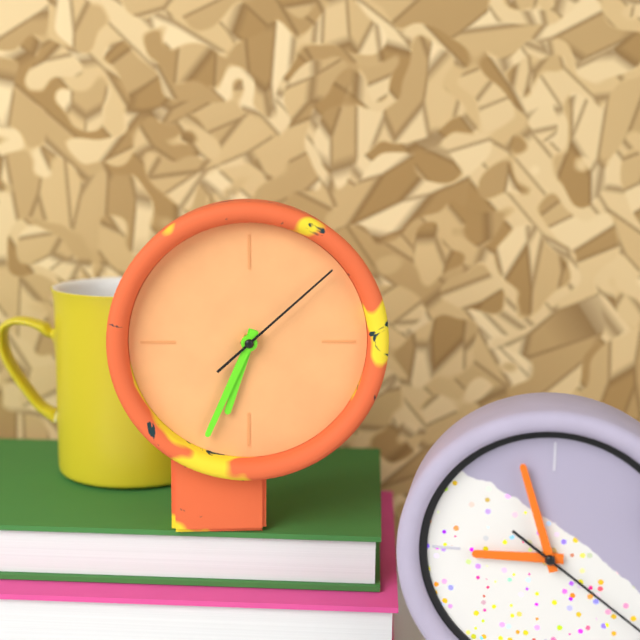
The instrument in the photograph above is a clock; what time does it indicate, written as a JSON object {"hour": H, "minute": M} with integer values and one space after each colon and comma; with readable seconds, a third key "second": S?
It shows {"hour": 6, "minute": 34, "second": 8}
